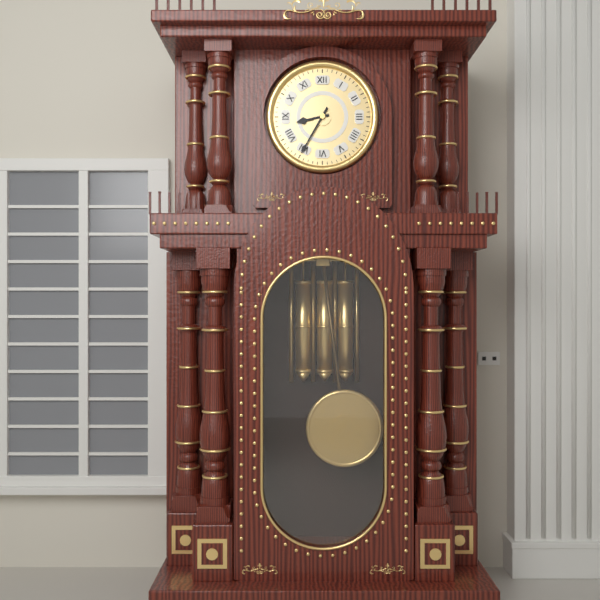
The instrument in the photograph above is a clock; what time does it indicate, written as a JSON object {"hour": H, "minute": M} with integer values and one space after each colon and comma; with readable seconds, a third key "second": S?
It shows {"hour": 8, "minute": 35}
